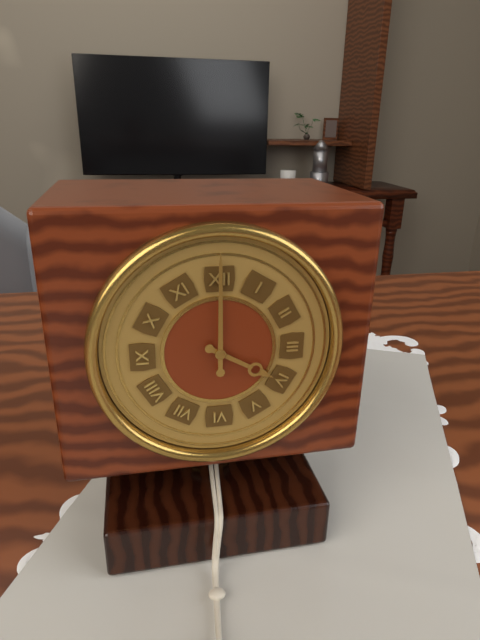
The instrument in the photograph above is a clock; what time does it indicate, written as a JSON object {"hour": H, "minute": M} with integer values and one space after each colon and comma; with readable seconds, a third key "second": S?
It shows {"hour": 4, "minute": 0}
